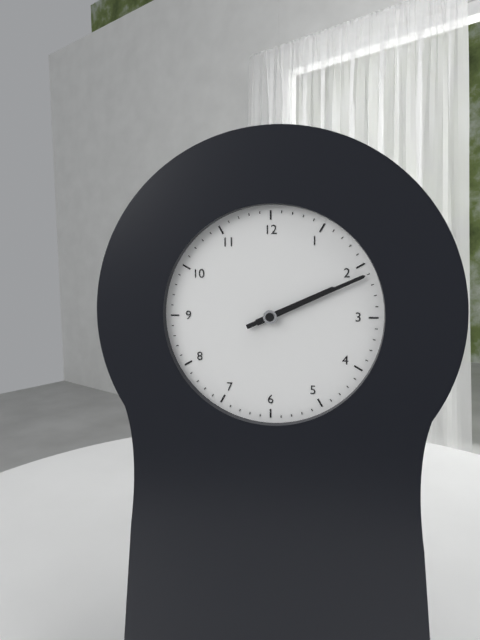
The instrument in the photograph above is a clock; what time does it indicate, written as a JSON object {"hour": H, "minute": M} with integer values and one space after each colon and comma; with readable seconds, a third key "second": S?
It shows {"hour": 2, "minute": 11}
